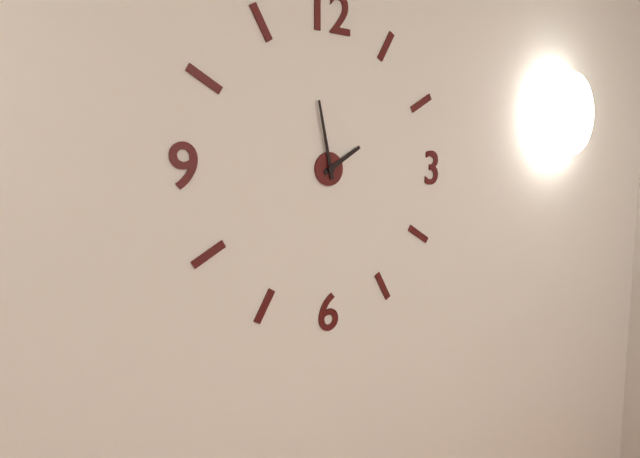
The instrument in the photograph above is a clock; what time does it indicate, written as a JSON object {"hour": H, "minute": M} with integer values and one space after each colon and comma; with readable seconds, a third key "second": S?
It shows {"hour": 1, "minute": 58}
